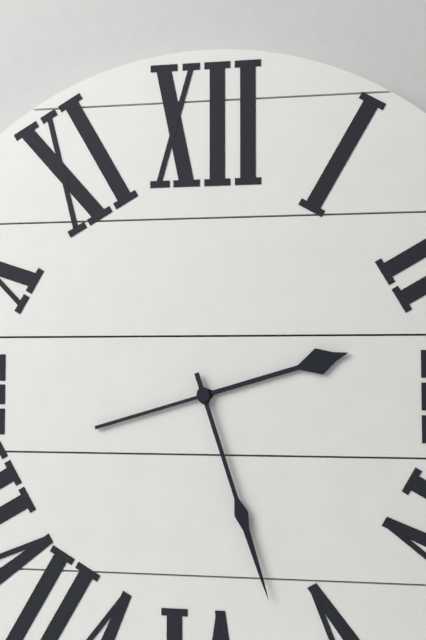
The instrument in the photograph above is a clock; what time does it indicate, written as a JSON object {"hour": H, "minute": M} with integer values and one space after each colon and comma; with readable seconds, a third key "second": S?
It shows {"hour": 2, "minute": 27}
